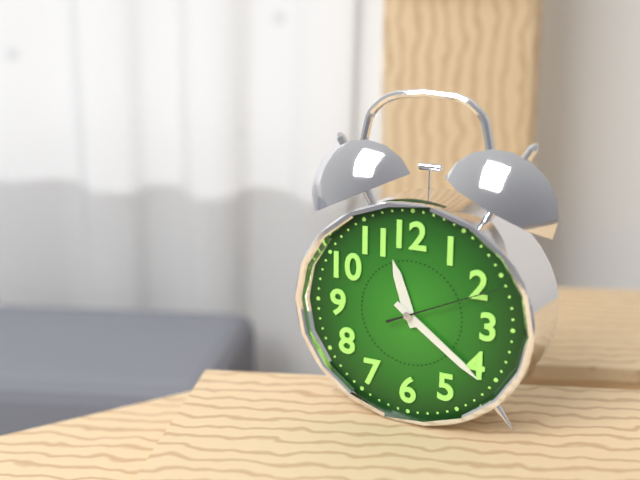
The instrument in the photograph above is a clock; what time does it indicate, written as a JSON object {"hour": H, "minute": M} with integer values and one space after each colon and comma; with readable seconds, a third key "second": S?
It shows {"hour": 11, "minute": 21, "second": 11}
